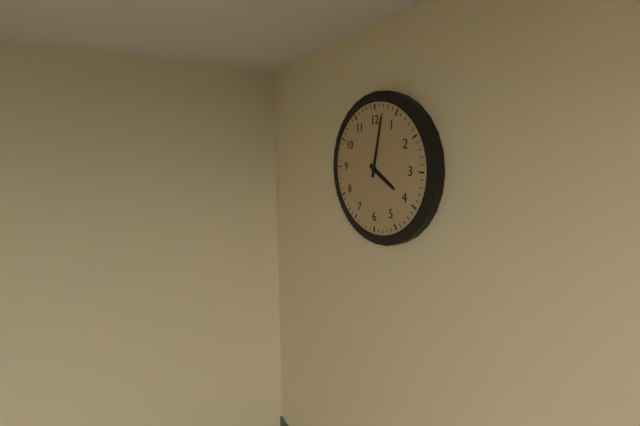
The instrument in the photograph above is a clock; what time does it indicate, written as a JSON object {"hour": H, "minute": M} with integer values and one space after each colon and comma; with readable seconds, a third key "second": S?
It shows {"hour": 4, "minute": 2}
